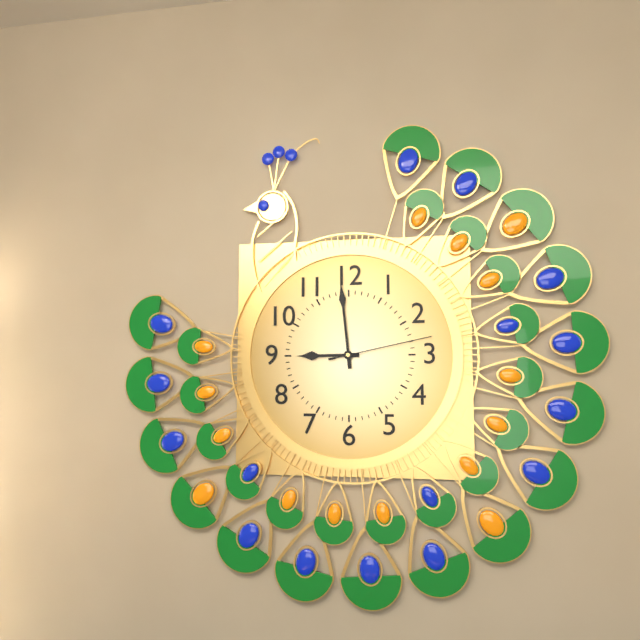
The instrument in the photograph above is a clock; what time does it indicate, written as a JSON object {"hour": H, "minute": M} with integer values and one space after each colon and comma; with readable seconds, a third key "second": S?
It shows {"hour": 8, "minute": 59, "second": 13}
